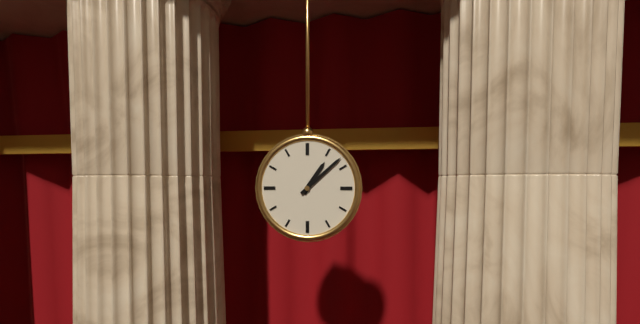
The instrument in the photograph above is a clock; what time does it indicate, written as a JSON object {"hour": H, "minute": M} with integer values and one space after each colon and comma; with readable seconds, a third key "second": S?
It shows {"hour": 1, "minute": 8}
